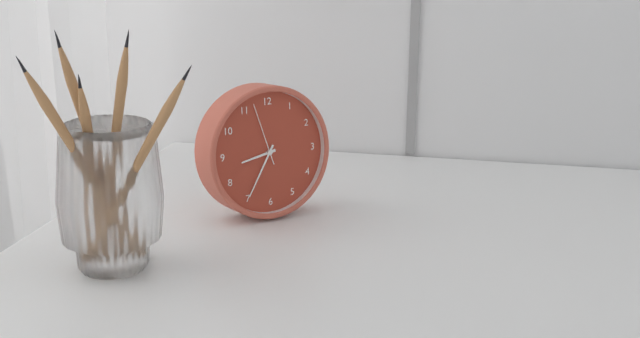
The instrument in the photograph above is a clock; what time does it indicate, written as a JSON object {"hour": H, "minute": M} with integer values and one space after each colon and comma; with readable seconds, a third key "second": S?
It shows {"hour": 8, "minute": 35, "second": 57}
